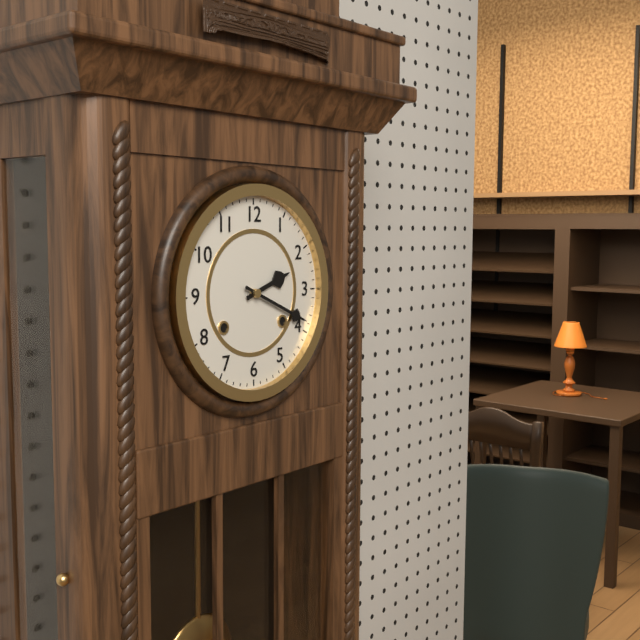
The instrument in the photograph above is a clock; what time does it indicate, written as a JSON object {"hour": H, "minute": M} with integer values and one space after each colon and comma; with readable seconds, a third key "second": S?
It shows {"hour": 2, "minute": 19}
